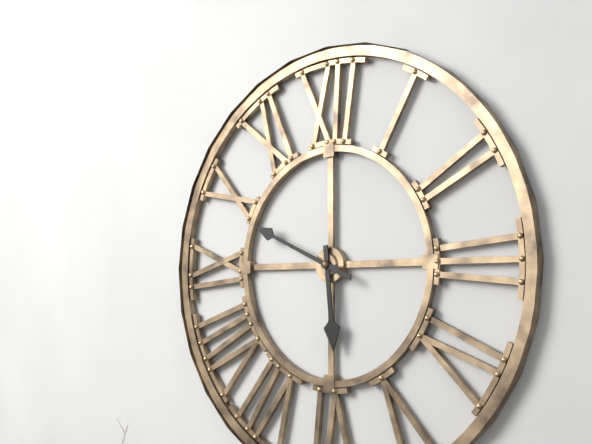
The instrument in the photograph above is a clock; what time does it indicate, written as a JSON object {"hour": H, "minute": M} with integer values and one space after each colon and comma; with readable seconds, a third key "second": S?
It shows {"hour": 5, "minute": 49}
